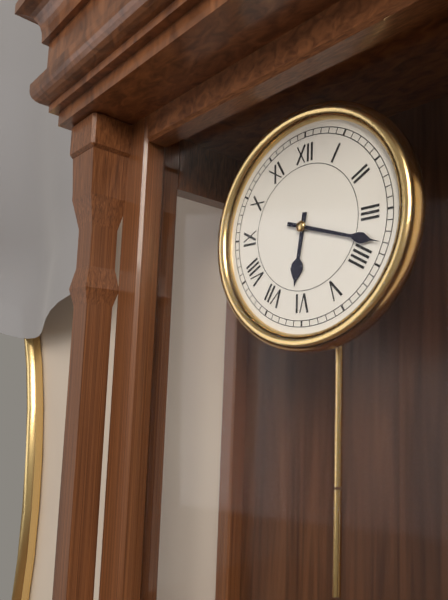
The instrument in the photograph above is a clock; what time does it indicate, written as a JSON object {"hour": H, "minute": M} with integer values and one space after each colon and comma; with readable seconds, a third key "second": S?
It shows {"hour": 6, "minute": 18}
